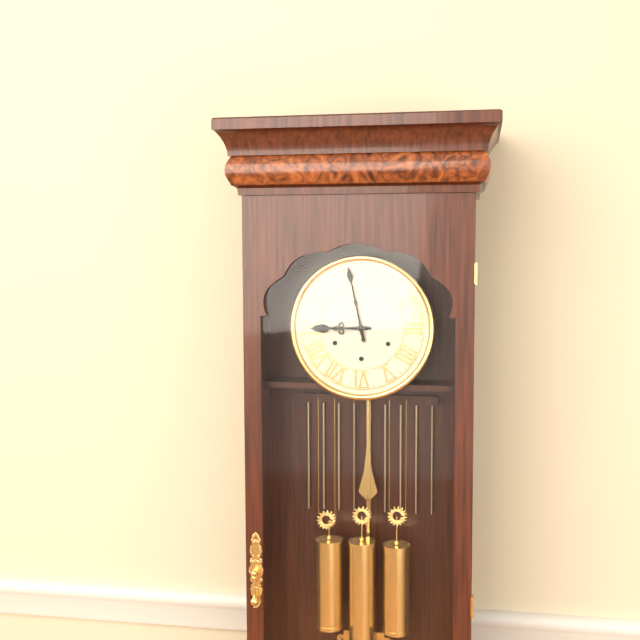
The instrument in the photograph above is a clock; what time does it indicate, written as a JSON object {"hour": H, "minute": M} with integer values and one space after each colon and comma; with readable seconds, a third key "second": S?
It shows {"hour": 8, "minute": 58}
